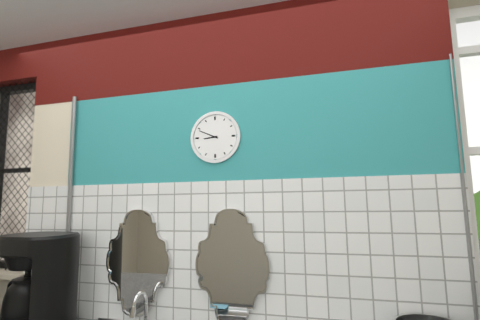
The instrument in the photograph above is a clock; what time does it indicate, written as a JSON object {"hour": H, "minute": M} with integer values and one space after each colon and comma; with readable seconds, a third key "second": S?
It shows {"hour": 8, "minute": 49}
